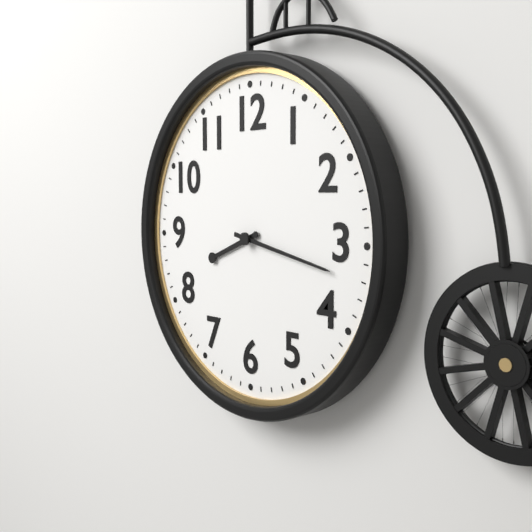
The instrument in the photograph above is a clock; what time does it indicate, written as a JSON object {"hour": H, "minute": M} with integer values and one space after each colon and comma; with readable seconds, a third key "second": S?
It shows {"hour": 8, "minute": 17}
